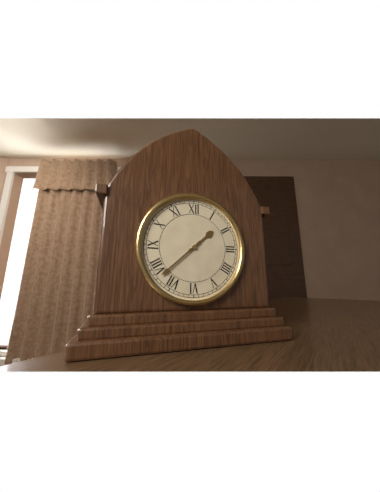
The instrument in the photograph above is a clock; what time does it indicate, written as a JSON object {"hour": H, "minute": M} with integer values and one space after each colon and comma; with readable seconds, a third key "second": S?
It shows {"hour": 1, "minute": 38}
